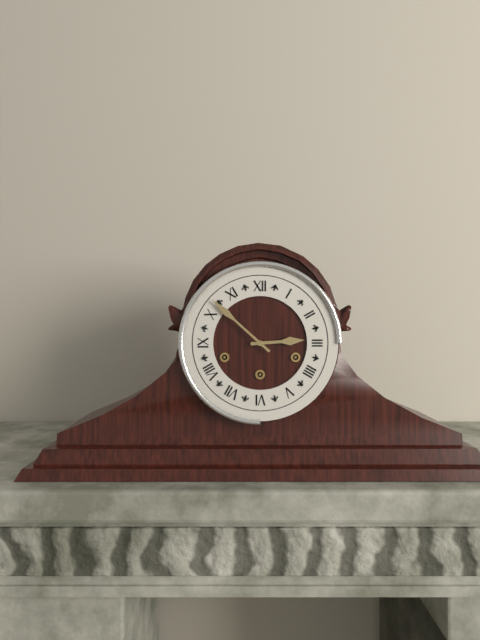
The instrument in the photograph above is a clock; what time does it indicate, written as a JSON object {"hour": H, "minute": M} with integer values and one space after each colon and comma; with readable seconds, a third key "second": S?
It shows {"hour": 2, "minute": 52}
